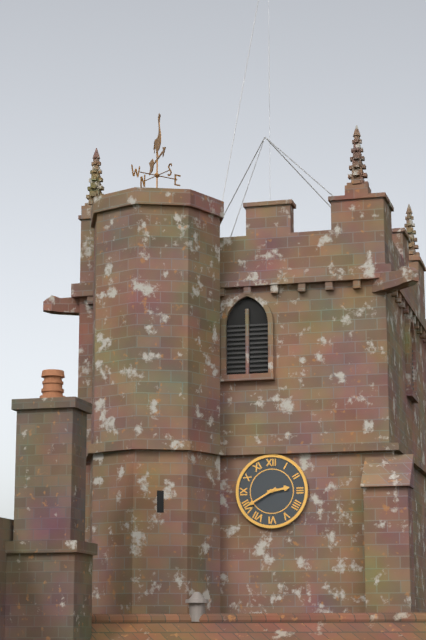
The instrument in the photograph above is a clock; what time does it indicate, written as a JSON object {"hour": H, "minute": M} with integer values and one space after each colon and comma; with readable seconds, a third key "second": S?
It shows {"hour": 2, "minute": 40}
